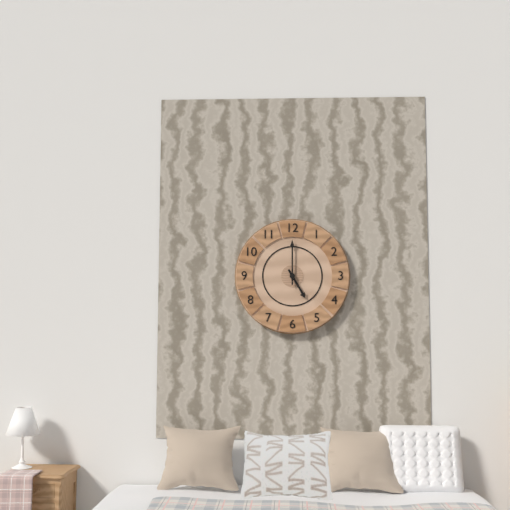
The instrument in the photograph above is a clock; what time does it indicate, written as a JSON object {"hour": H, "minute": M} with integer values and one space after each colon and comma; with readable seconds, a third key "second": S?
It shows {"hour": 5, "minute": 0}
